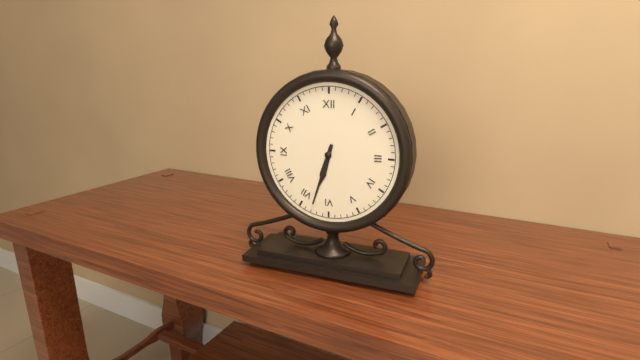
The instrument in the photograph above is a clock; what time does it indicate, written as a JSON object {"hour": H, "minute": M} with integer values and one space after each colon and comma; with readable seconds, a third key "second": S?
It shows {"hour": 6, "minute": 33}
